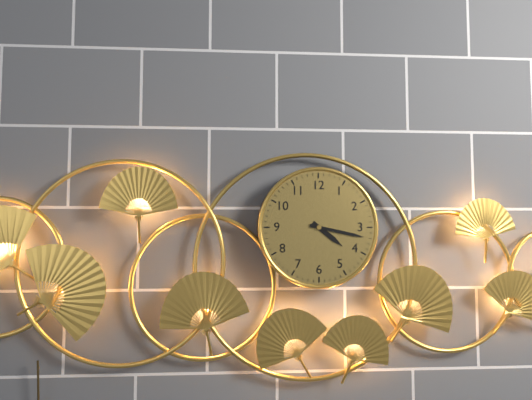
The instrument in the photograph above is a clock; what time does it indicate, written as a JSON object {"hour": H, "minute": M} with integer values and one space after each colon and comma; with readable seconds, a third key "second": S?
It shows {"hour": 4, "minute": 17}
